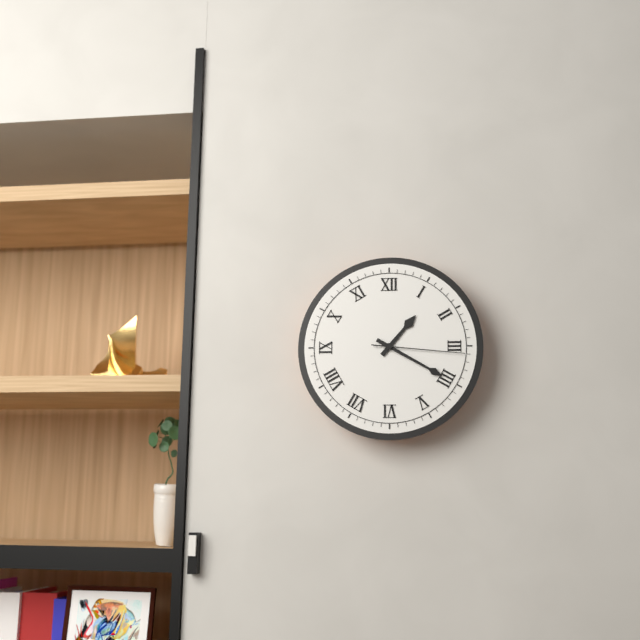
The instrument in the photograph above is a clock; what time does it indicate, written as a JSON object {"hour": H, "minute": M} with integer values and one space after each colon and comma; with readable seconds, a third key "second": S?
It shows {"hour": 1, "minute": 20, "second": 16}
